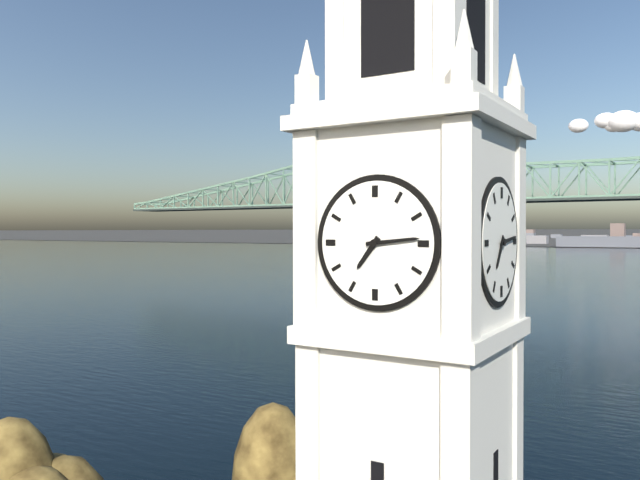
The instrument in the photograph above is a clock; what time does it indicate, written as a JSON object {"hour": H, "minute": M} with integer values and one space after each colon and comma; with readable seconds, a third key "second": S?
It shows {"hour": 7, "minute": 14}
